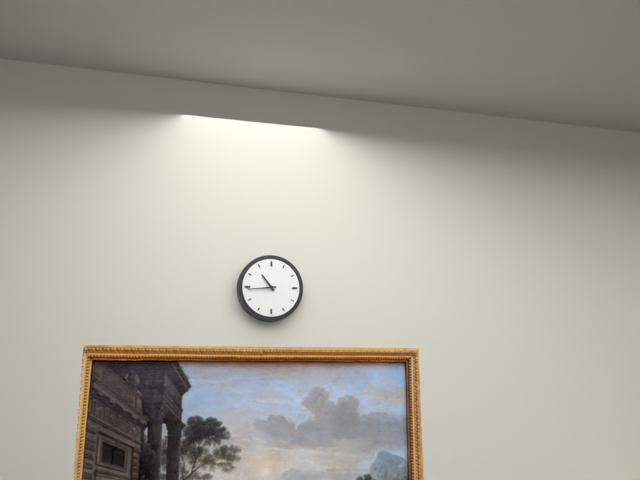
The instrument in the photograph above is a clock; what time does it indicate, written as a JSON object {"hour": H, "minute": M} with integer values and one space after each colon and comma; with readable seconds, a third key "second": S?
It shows {"hour": 10, "minute": 44}
